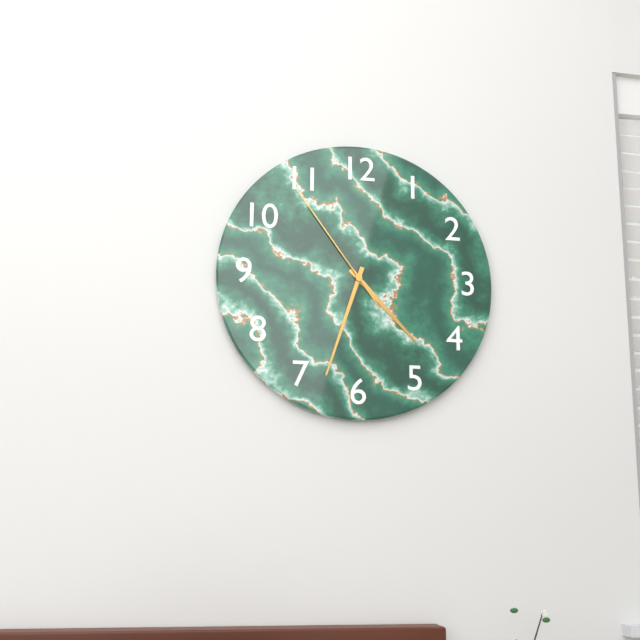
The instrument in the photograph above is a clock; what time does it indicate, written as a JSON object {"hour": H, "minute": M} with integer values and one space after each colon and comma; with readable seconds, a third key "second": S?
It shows {"hour": 4, "minute": 33, "second": 54}
